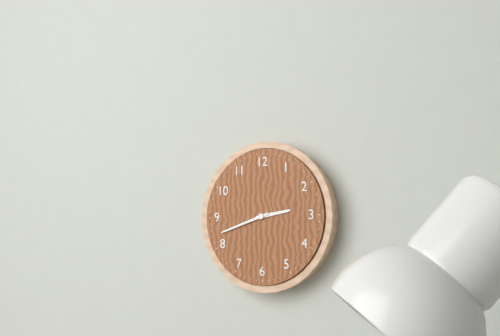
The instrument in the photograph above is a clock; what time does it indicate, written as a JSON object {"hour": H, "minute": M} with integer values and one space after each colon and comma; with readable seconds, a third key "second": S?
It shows {"hour": 2, "minute": 42}
